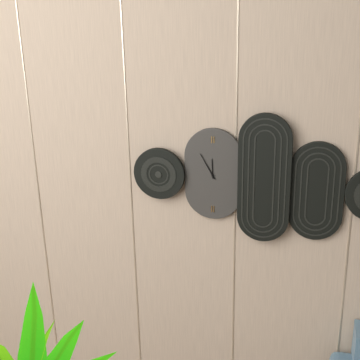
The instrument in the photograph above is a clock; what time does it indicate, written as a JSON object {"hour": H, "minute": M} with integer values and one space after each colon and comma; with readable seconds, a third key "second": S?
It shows {"hour": 11, "minute": 55}
